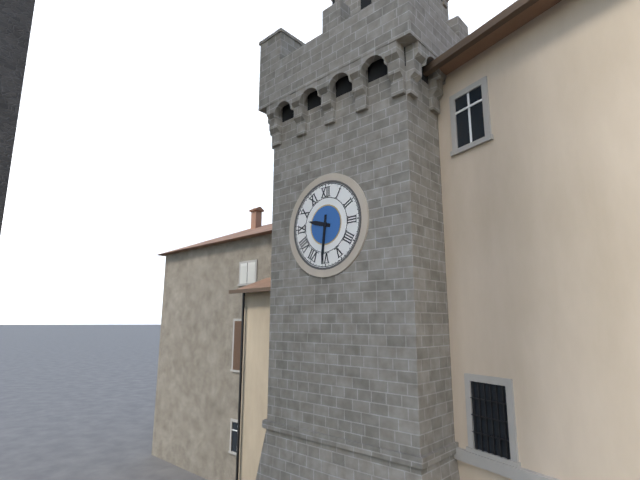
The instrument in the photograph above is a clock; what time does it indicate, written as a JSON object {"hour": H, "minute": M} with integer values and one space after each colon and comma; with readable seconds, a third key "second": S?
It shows {"hour": 9, "minute": 31}
